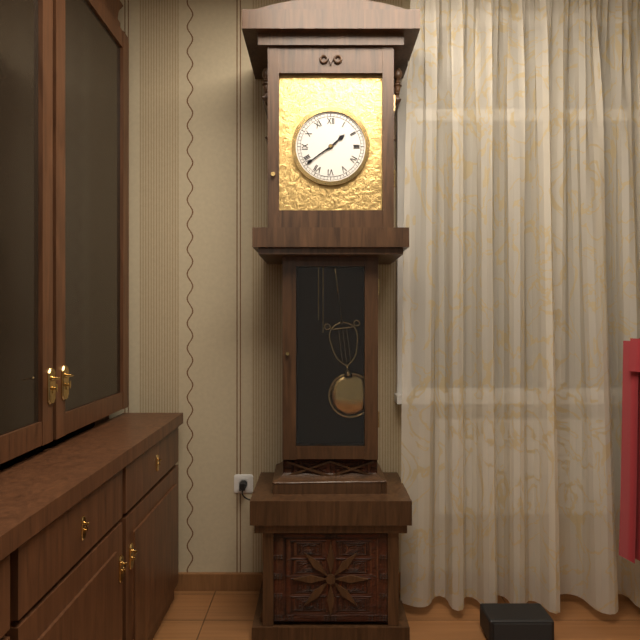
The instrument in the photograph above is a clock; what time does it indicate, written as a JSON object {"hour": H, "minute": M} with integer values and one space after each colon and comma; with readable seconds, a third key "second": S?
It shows {"hour": 1, "minute": 39}
